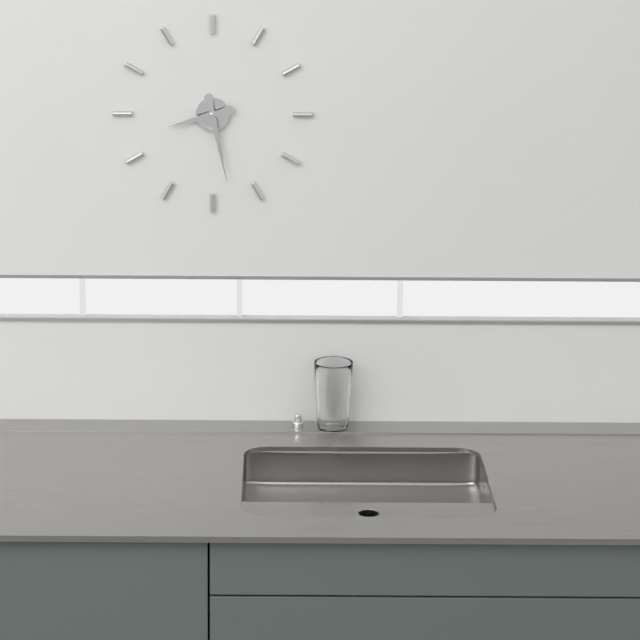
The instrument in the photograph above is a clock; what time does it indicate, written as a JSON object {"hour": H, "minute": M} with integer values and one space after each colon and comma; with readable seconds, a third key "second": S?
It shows {"hour": 8, "minute": 28}
